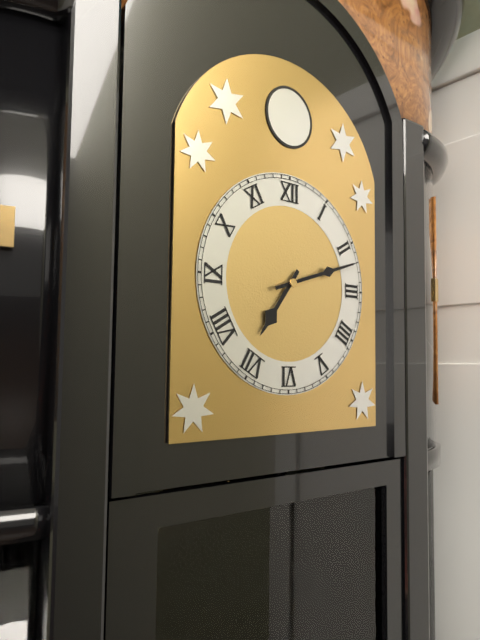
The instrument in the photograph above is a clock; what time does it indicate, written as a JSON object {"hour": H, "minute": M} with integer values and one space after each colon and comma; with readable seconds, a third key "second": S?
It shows {"hour": 7, "minute": 12}
